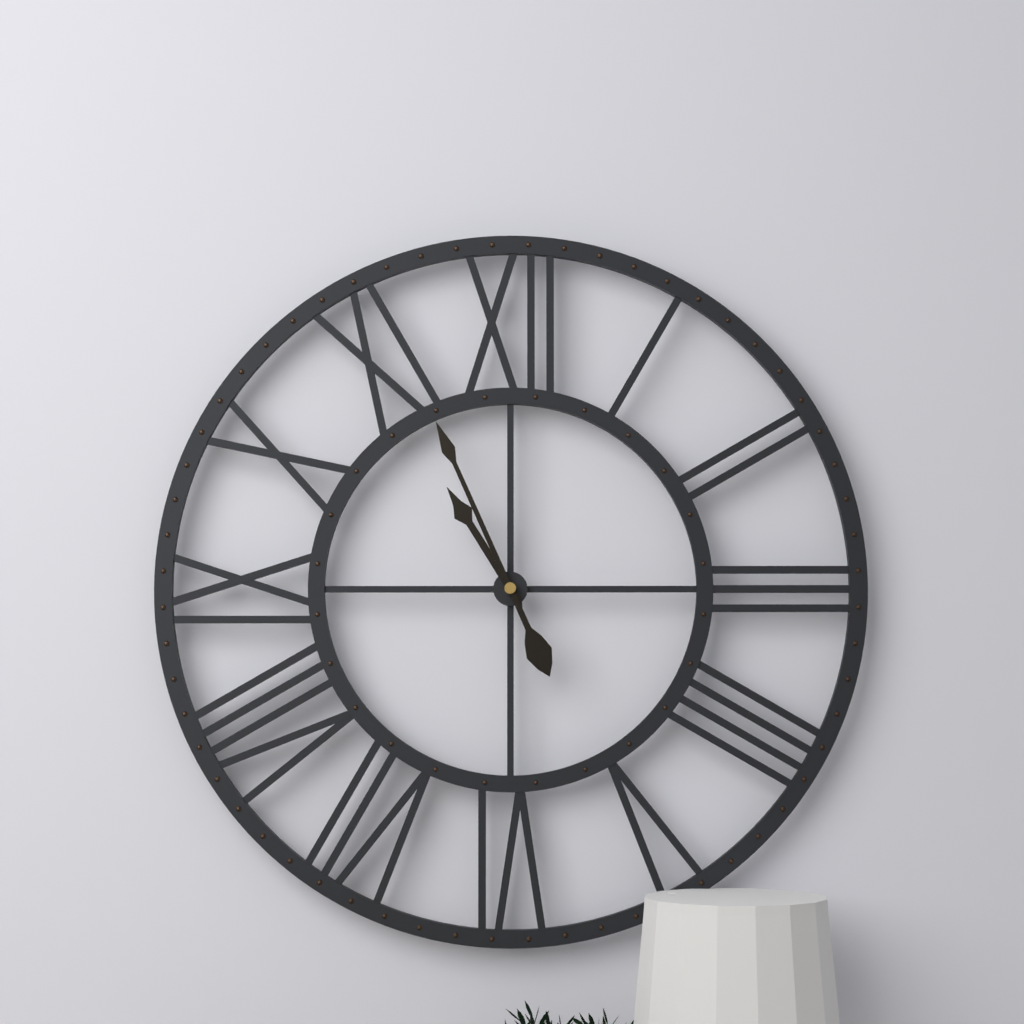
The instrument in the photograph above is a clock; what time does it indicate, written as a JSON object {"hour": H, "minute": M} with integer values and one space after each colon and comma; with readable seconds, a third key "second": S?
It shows {"hour": 10, "minute": 56}
